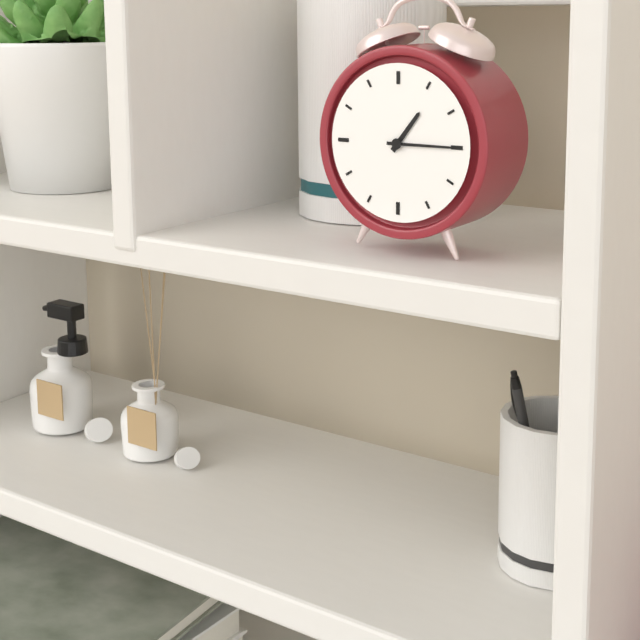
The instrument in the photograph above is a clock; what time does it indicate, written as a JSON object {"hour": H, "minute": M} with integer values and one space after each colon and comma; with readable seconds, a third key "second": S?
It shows {"hour": 1, "minute": 15}
